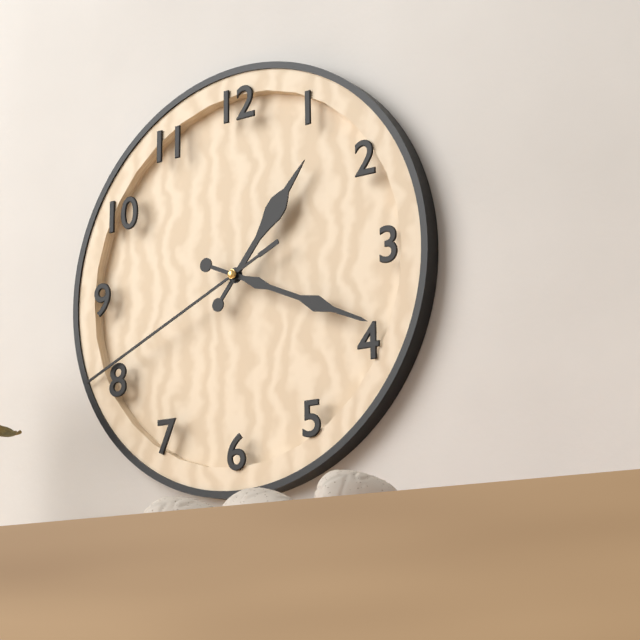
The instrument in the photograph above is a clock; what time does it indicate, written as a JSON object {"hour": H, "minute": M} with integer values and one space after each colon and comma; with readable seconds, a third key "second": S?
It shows {"hour": 1, "minute": 19, "second": 41}
